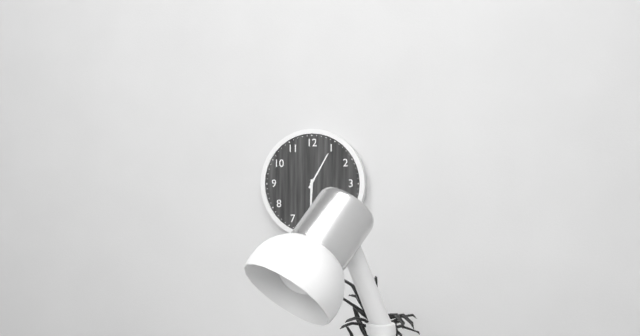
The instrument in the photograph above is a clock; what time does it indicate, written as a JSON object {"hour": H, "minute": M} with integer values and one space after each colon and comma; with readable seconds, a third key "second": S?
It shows {"hour": 6, "minute": 5}
